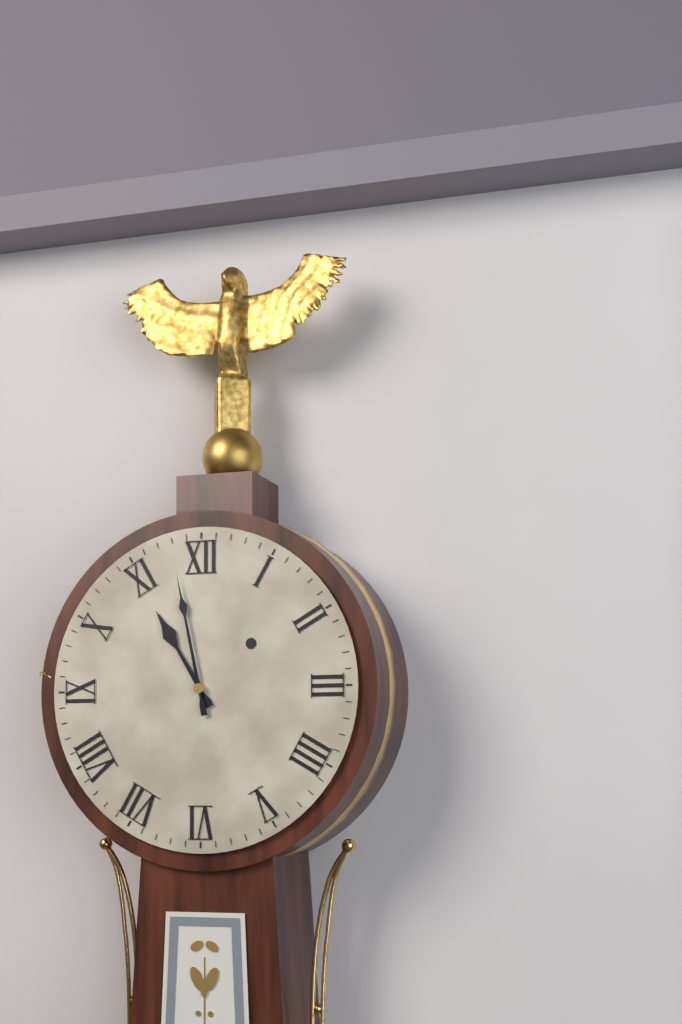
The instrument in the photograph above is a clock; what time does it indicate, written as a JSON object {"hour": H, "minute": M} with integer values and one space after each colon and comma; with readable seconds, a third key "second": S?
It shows {"hour": 10, "minute": 58}
